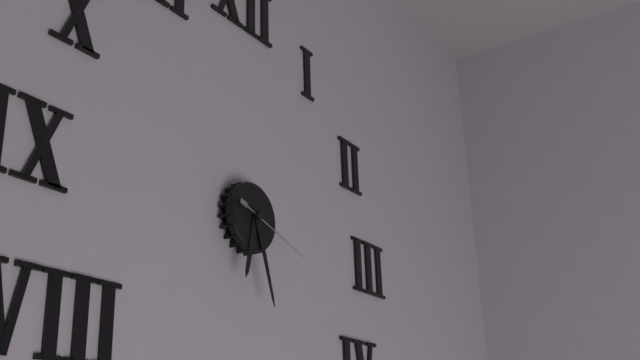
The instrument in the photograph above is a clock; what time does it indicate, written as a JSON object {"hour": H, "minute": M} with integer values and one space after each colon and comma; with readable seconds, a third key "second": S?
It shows {"hour": 6, "minute": 27, "second": 18}
